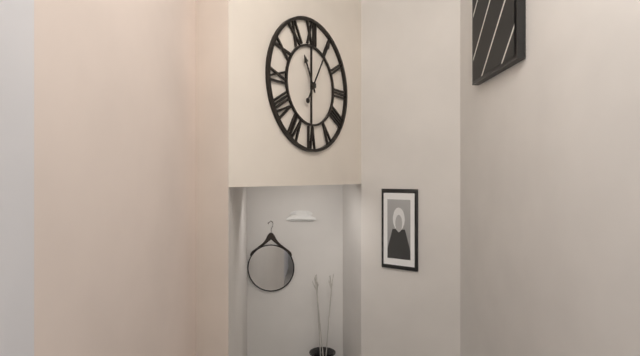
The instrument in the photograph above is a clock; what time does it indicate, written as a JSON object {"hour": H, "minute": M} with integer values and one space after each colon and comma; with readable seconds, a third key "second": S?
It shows {"hour": 11, "minute": 5}
